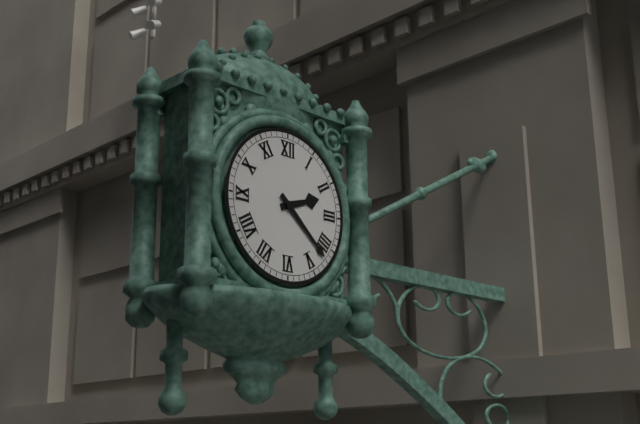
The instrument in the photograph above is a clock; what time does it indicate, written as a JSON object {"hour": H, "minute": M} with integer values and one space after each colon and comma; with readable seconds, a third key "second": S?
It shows {"hour": 2, "minute": 22}
